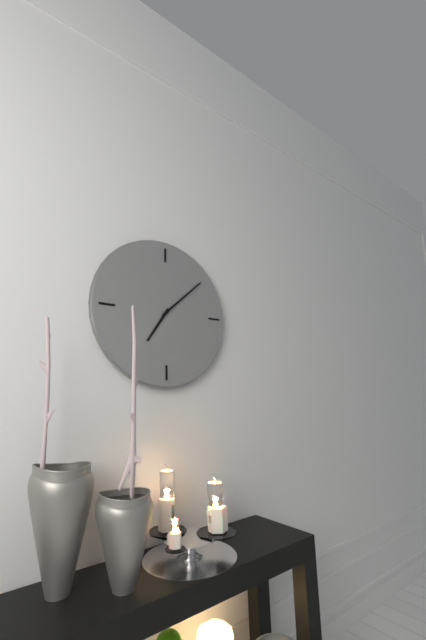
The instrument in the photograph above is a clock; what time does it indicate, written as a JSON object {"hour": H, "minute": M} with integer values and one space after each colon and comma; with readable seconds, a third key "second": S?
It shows {"hour": 7, "minute": 8}
